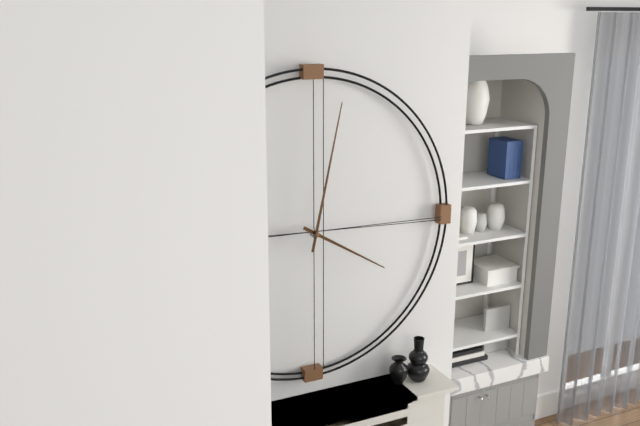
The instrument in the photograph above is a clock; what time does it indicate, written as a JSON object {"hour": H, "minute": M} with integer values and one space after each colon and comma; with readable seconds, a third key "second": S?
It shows {"hour": 4, "minute": 2}
